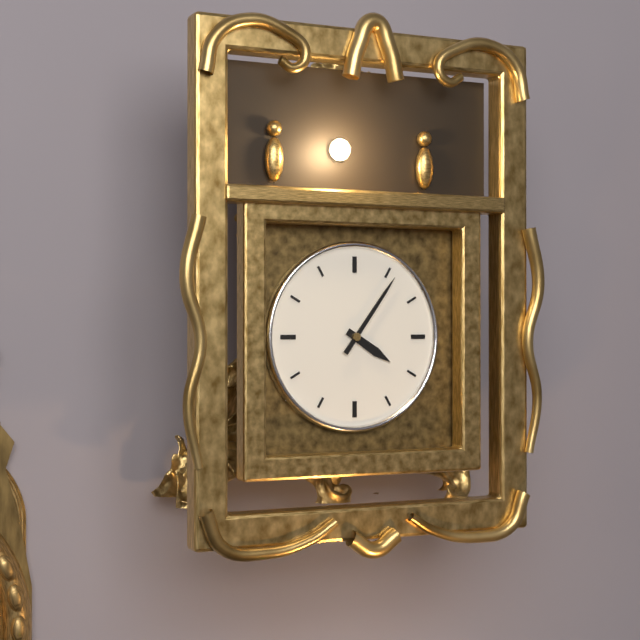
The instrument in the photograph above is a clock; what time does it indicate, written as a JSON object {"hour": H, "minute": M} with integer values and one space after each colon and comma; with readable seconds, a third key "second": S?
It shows {"hour": 4, "minute": 6}
